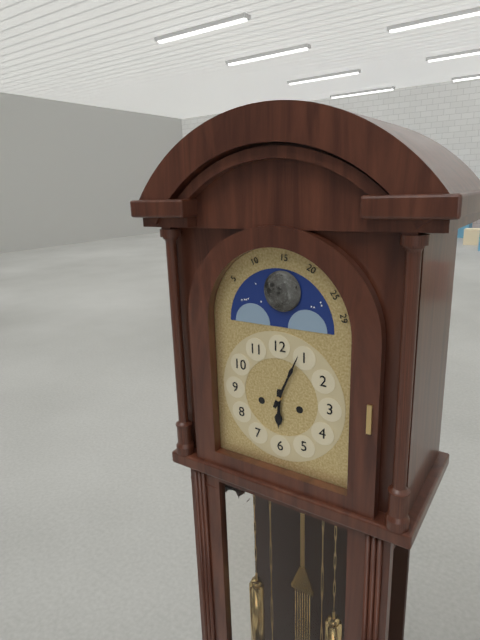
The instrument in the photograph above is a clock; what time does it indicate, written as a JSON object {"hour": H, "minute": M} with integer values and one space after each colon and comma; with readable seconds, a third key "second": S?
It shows {"hour": 6, "minute": 4}
